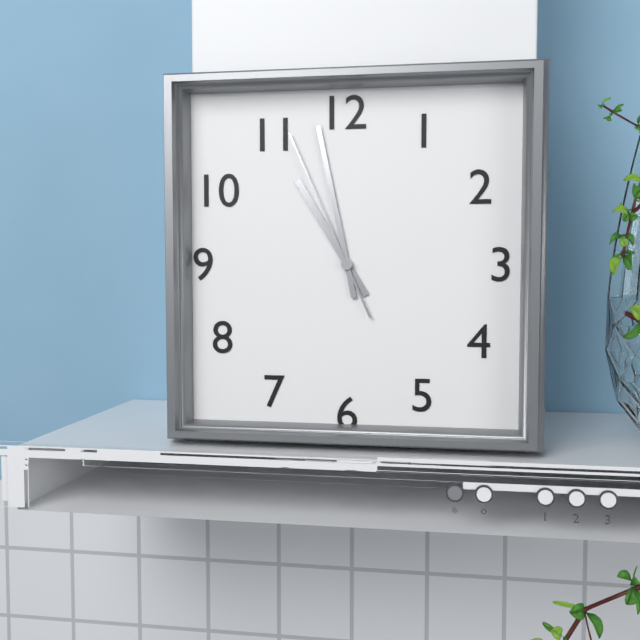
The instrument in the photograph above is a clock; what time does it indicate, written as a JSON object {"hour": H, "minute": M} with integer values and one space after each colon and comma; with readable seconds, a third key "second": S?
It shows {"hour": 10, "minute": 58, "second": 56}
